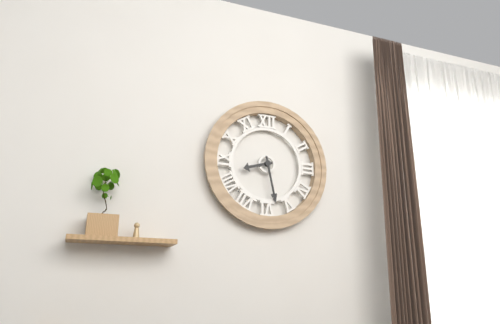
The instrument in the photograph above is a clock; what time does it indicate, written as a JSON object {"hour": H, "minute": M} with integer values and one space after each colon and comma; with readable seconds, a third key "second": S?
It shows {"hour": 8, "minute": 28}
